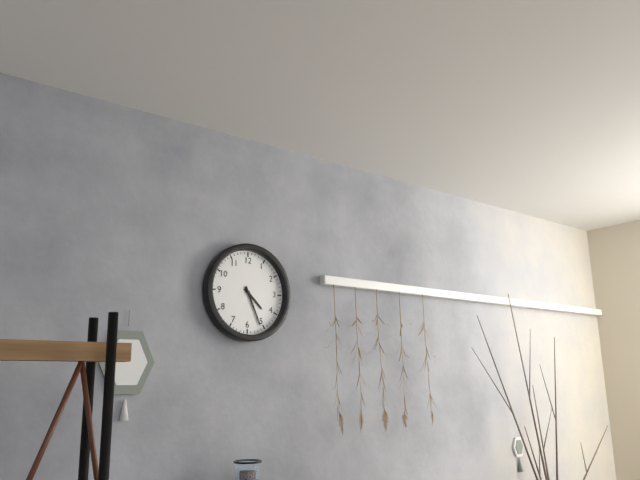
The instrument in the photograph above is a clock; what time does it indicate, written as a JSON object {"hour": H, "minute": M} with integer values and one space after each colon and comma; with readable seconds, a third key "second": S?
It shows {"hour": 4, "minute": 26}
